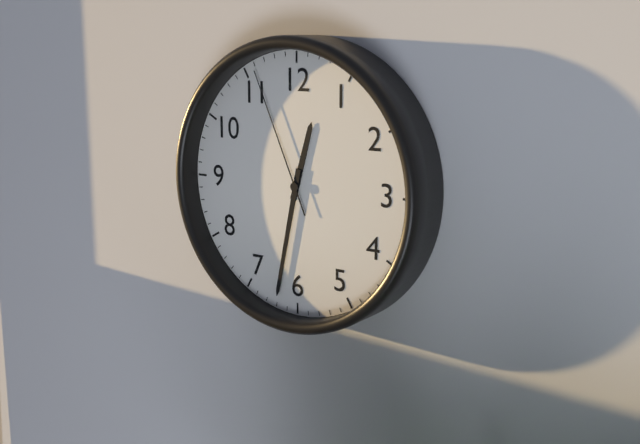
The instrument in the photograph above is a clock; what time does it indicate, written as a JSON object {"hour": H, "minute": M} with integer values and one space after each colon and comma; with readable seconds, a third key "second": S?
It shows {"hour": 12, "minute": 32, "second": 56}
